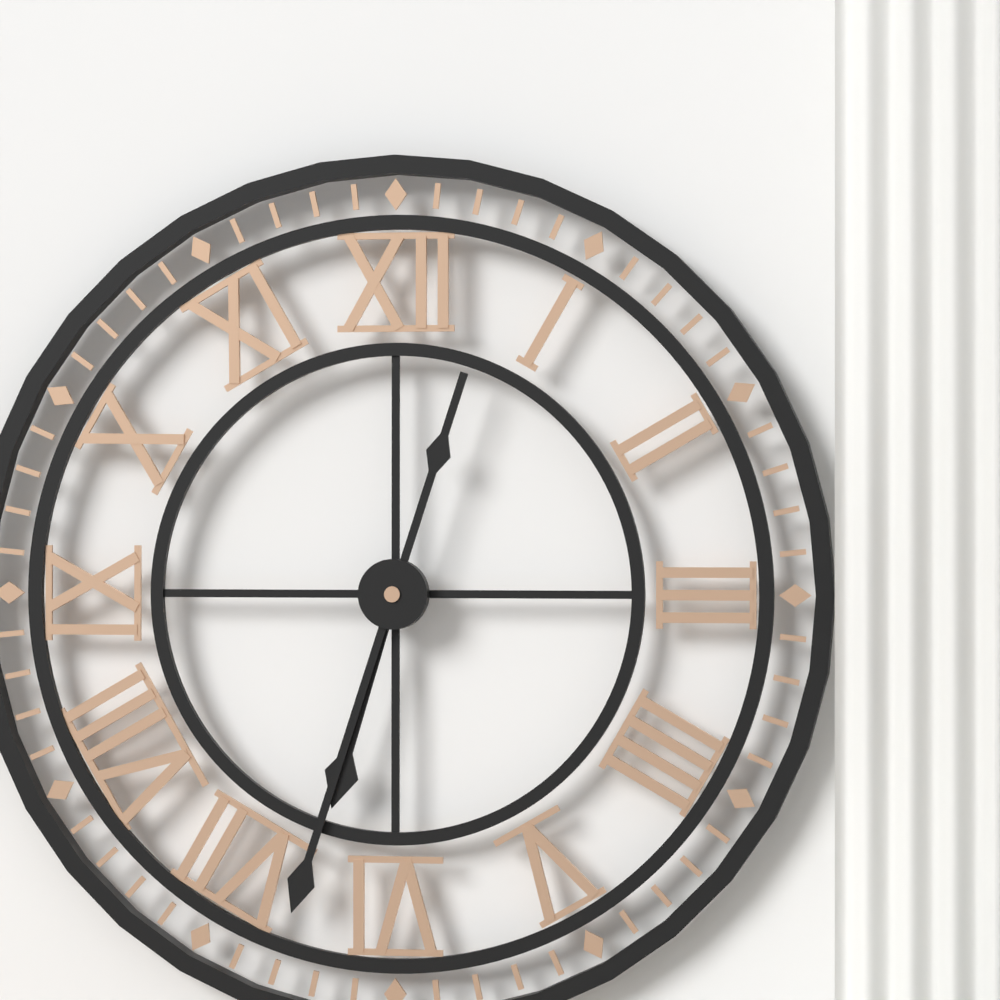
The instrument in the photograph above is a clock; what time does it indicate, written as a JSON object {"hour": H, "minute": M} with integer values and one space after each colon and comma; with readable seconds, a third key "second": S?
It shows {"hour": 6, "minute": 33}
